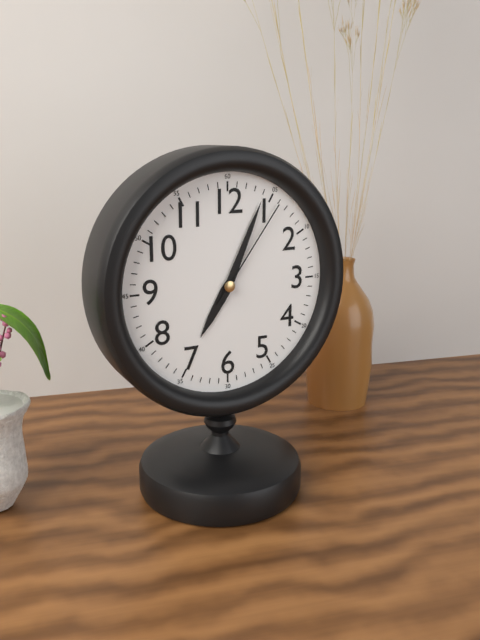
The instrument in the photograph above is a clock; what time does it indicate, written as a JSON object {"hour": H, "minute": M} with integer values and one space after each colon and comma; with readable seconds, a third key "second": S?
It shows {"hour": 7, "minute": 4, "second": 6}
